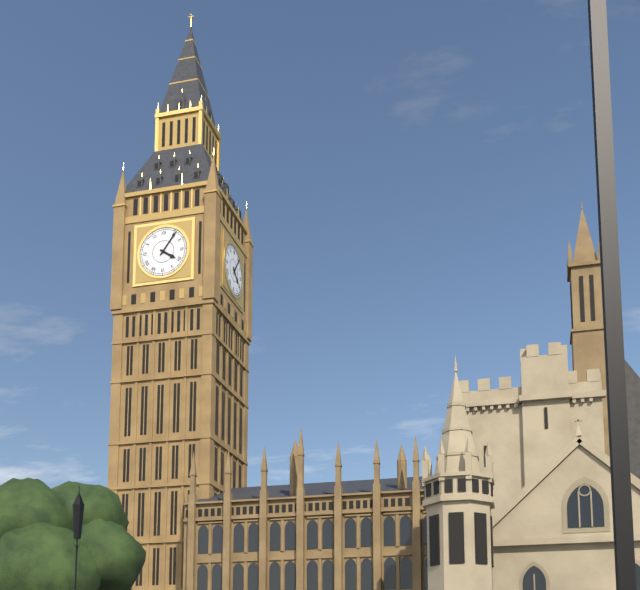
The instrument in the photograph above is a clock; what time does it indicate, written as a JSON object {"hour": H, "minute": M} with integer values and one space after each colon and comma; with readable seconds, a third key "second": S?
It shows {"hour": 4, "minute": 6}
